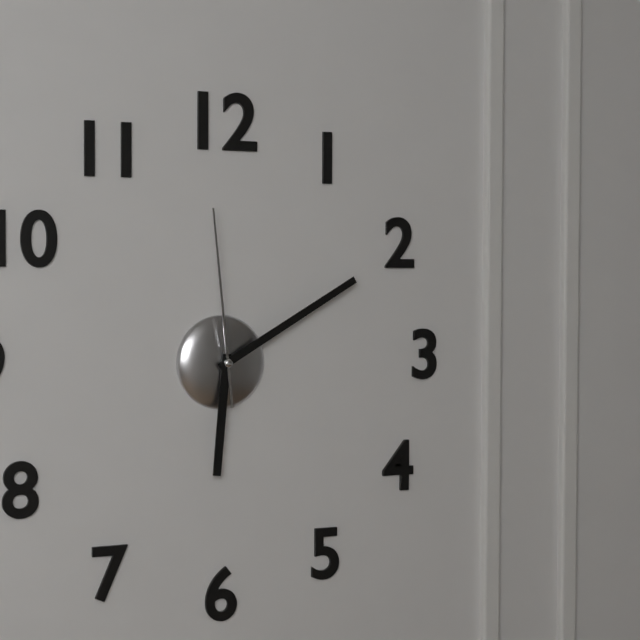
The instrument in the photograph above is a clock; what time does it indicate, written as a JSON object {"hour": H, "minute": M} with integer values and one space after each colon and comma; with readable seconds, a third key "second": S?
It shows {"hour": 6, "minute": 10, "second": 59}
